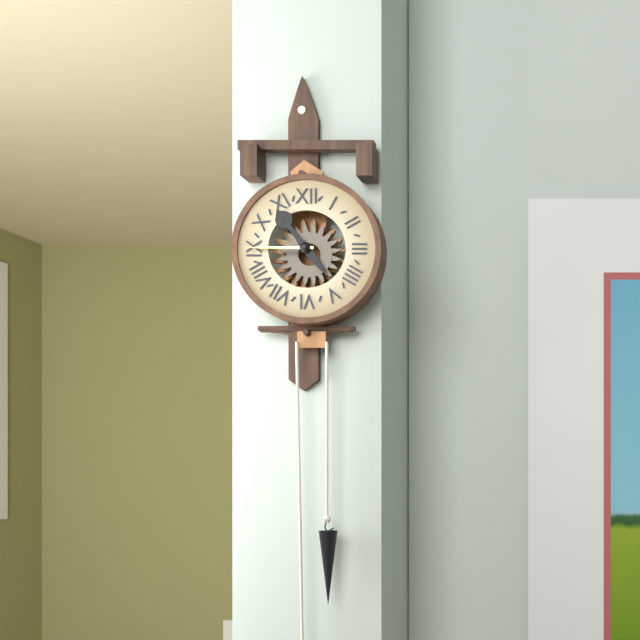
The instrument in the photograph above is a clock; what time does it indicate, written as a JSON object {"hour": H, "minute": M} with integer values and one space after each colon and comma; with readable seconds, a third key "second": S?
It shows {"hour": 10, "minute": 45}
